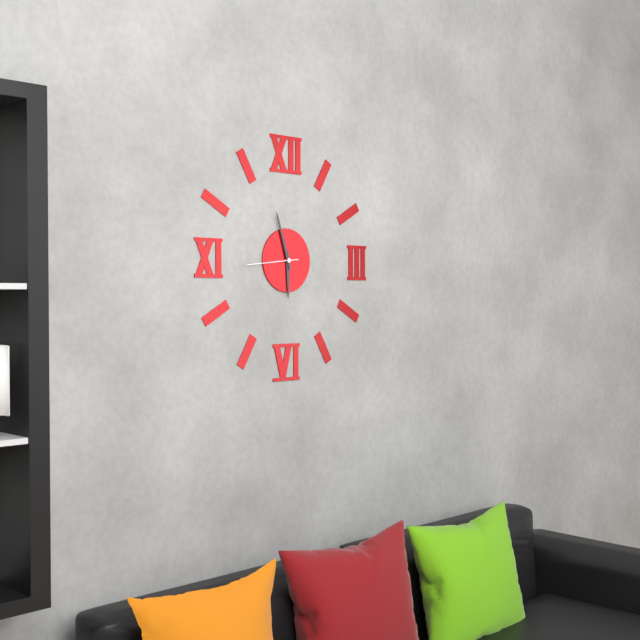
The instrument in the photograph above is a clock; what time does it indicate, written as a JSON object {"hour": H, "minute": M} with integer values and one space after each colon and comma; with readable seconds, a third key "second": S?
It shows {"hour": 5, "minute": 57}
